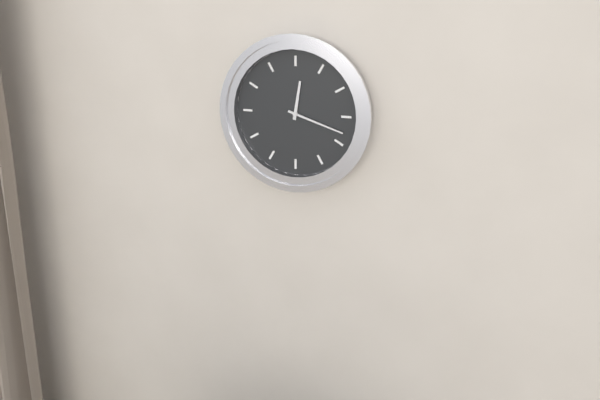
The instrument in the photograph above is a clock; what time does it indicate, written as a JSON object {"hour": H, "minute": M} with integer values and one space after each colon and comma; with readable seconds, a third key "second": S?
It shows {"hour": 12, "minute": 18}
